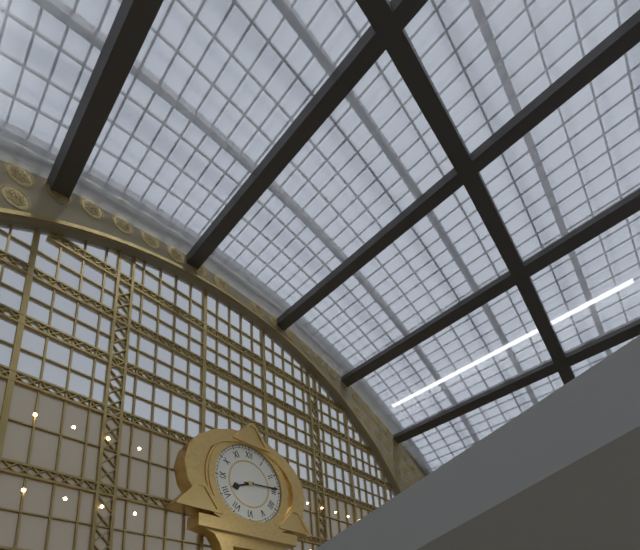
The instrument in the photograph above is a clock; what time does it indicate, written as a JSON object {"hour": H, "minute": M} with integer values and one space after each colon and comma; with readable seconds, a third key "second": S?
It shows {"hour": 8, "minute": 14}
